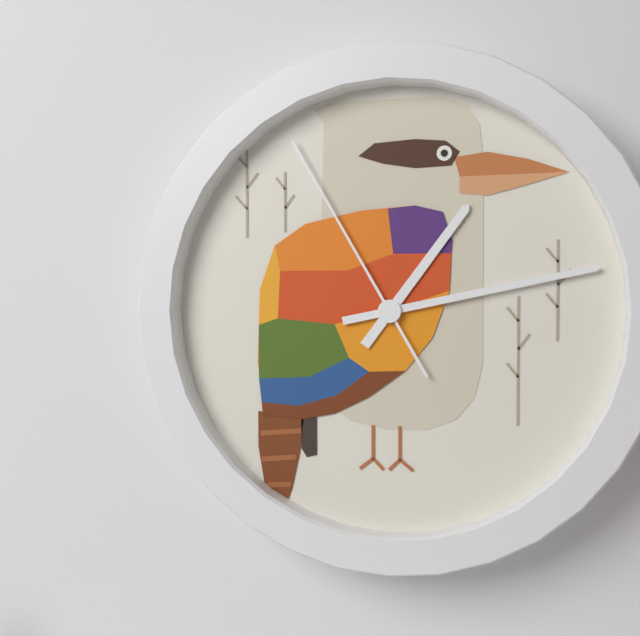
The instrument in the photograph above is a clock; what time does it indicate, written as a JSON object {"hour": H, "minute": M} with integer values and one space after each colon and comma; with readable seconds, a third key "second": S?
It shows {"hour": 1, "minute": 13, "second": 55}
